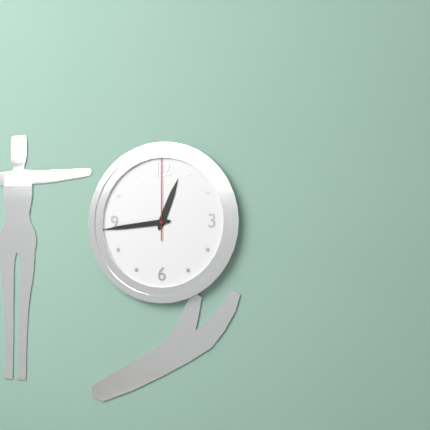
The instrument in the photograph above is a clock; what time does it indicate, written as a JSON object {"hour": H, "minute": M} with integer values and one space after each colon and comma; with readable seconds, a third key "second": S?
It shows {"hour": 12, "minute": 44, "second": 0}
